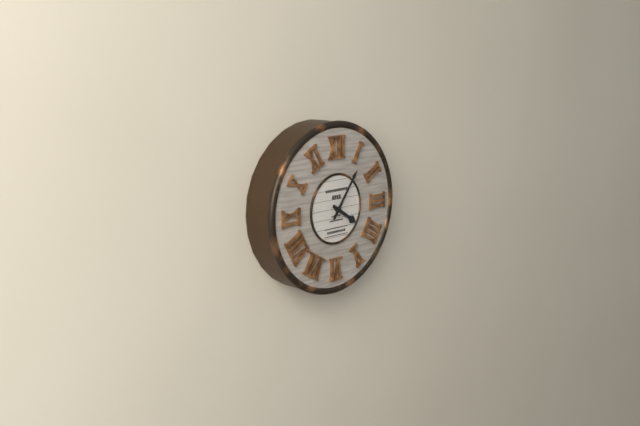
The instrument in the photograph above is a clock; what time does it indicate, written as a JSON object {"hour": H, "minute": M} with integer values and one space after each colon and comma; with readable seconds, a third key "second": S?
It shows {"hour": 4, "minute": 6}
